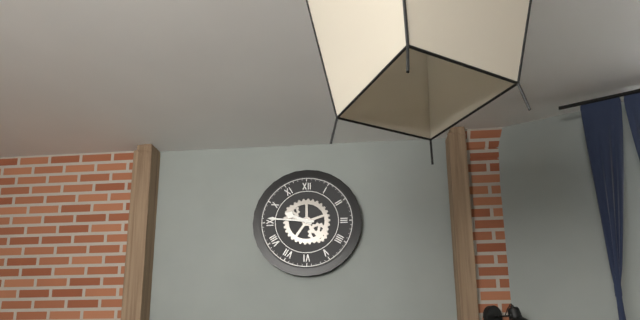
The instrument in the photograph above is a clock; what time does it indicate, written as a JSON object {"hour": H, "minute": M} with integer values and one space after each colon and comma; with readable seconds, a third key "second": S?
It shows {"hour": 9, "minute": 46}
